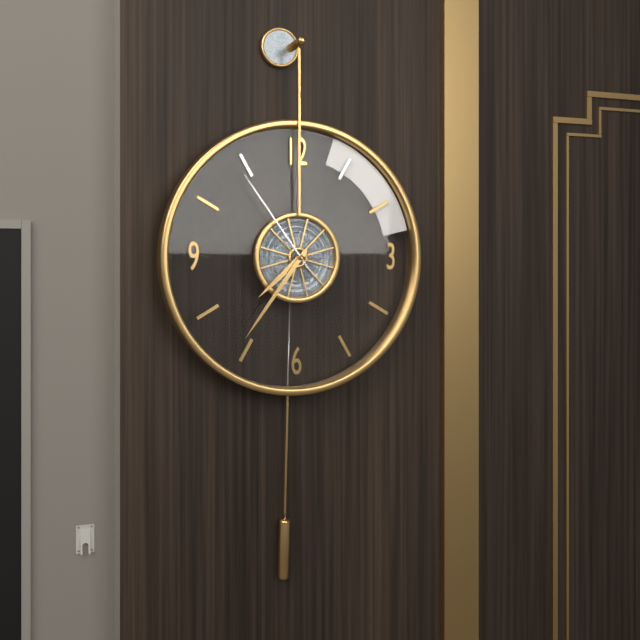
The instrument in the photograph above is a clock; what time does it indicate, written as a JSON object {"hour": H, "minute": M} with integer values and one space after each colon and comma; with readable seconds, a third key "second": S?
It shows {"hour": 7, "minute": 36, "second": 54}
